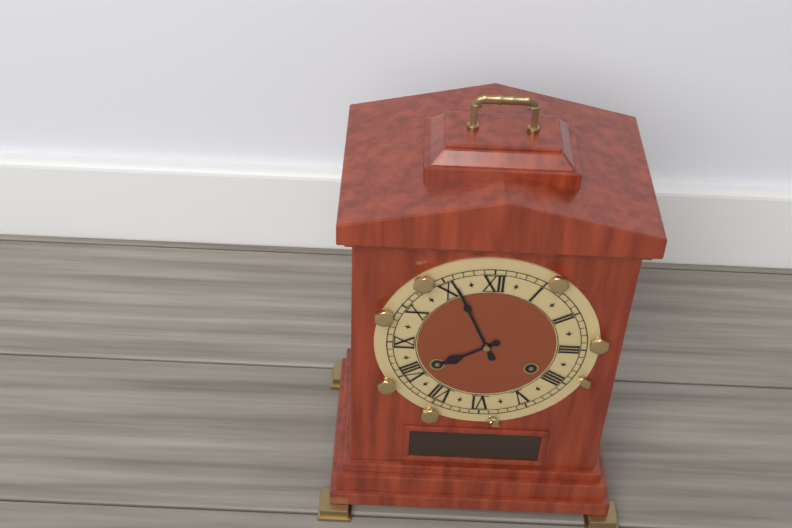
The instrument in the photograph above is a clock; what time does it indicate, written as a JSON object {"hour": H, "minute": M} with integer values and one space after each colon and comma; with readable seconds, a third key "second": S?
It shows {"hour": 7, "minute": 56}
